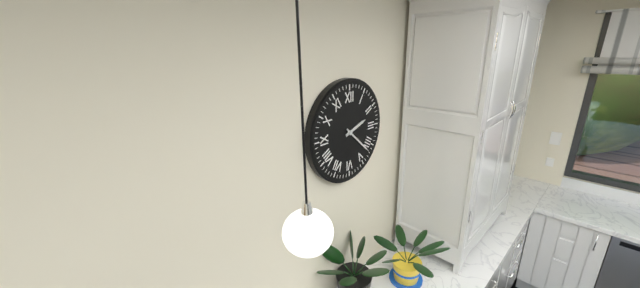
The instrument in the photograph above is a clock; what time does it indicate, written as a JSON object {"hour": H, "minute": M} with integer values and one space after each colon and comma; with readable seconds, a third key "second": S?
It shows {"hour": 2, "minute": 22}
